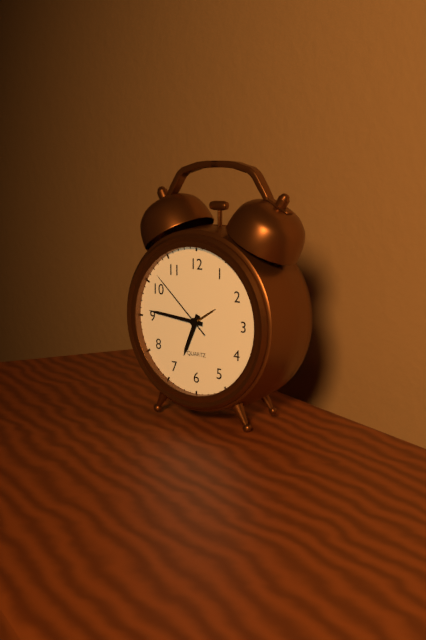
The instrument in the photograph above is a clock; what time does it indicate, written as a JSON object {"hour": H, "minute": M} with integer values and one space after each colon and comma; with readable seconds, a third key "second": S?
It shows {"hour": 6, "minute": 46, "second": 52}
